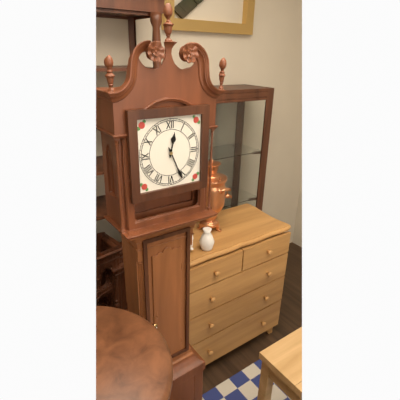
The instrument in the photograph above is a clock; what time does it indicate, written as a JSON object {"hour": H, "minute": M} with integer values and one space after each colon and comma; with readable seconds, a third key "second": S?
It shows {"hour": 12, "minute": 26}
